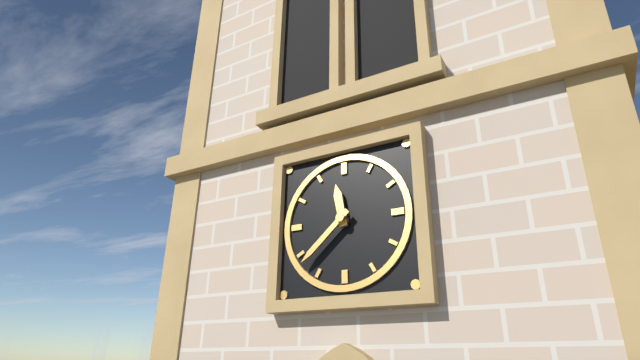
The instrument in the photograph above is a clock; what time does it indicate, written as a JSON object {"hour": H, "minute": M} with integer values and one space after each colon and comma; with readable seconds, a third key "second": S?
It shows {"hour": 11, "minute": 38}
